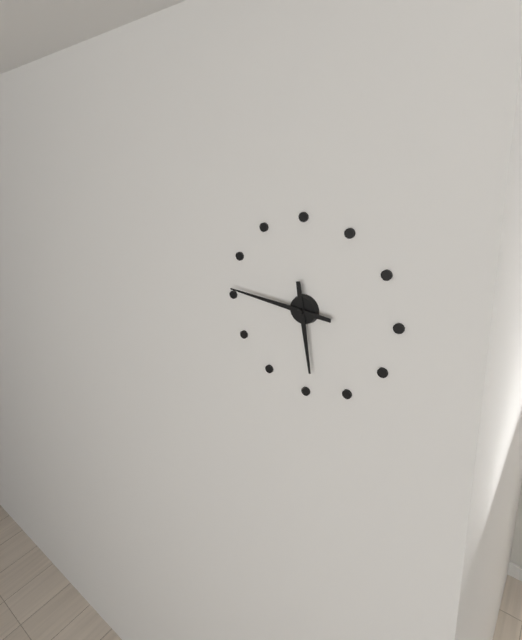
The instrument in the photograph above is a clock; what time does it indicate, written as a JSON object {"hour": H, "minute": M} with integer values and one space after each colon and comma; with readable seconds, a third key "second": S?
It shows {"hour": 5, "minute": 46}
